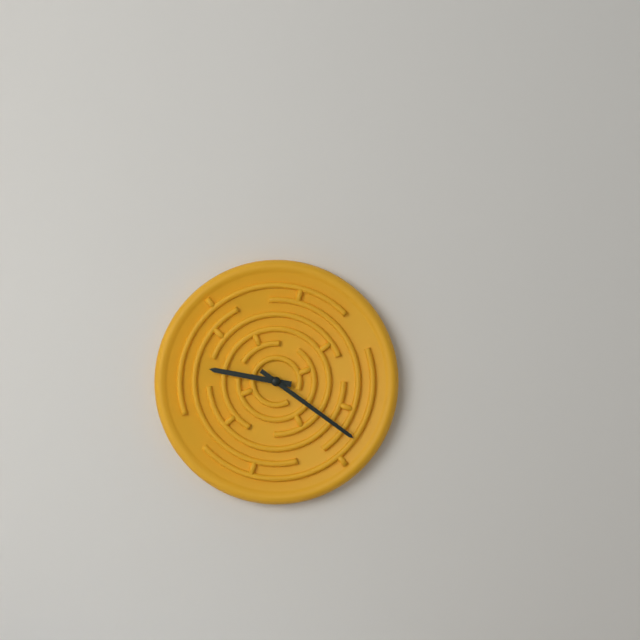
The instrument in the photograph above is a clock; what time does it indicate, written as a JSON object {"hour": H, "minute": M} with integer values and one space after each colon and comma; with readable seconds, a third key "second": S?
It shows {"hour": 9, "minute": 21}
